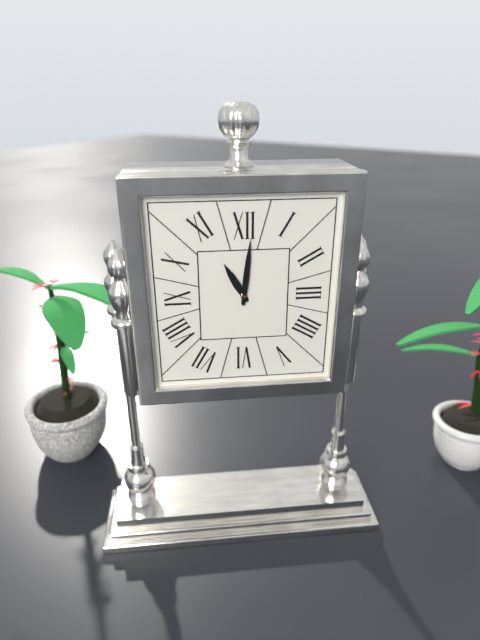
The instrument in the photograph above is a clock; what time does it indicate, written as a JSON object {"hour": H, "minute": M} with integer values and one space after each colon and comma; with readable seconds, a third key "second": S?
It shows {"hour": 11, "minute": 1}
